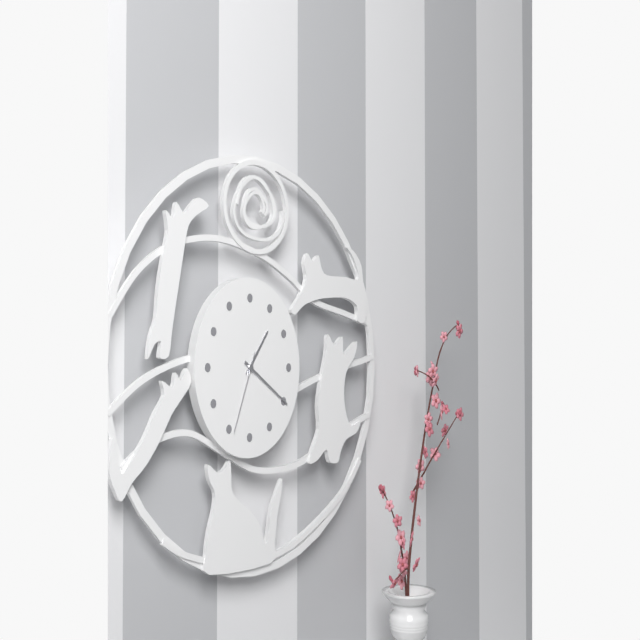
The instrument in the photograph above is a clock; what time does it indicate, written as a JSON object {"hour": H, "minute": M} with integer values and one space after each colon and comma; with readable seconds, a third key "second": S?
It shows {"hour": 1, "minute": 20, "second": 34}
